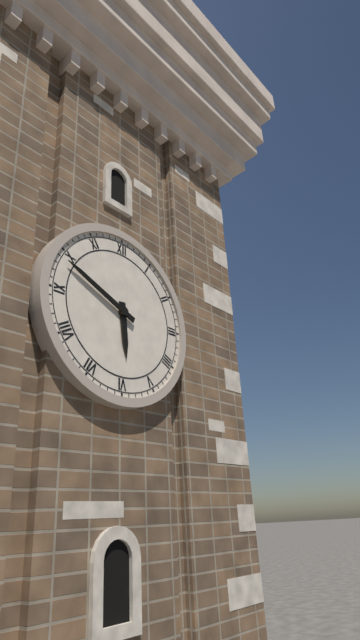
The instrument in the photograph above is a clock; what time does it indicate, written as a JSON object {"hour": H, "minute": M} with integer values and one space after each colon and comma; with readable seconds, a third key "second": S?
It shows {"hour": 5, "minute": 49}
